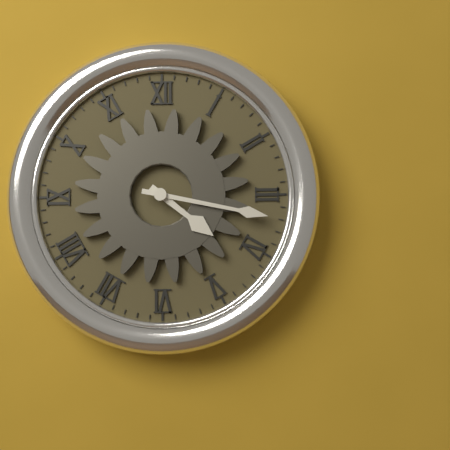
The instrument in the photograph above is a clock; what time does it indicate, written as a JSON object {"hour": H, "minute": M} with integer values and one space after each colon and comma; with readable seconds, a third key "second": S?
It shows {"hour": 4, "minute": 17}
